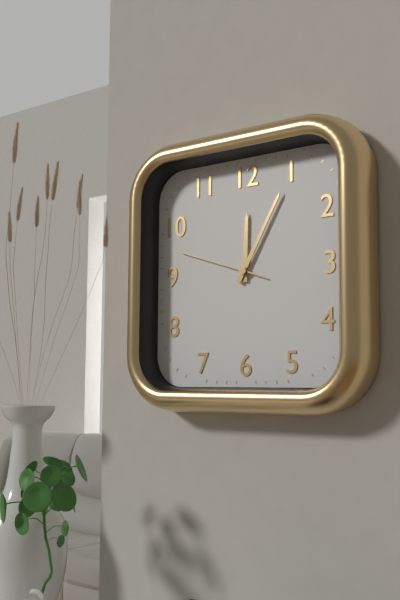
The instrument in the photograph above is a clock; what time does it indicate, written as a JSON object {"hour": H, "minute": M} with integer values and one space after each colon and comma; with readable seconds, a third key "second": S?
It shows {"hour": 12, "minute": 5, "second": 48}
